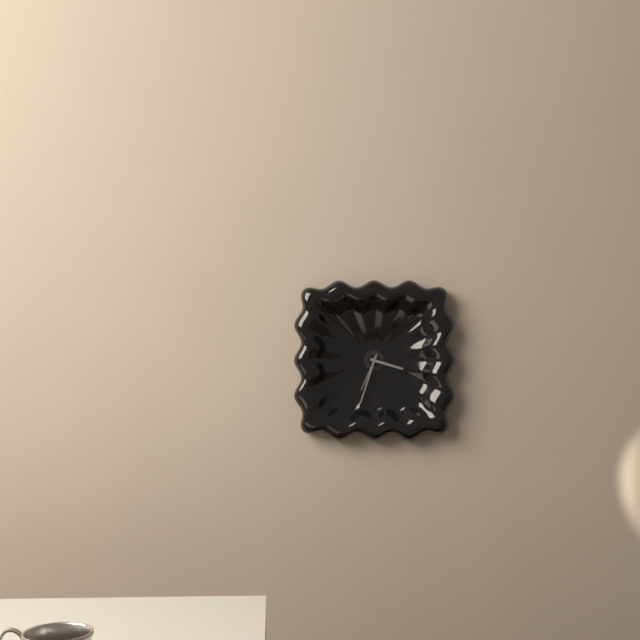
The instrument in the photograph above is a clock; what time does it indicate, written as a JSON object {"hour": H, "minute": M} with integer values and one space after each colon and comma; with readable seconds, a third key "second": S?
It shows {"hour": 3, "minute": 33}
